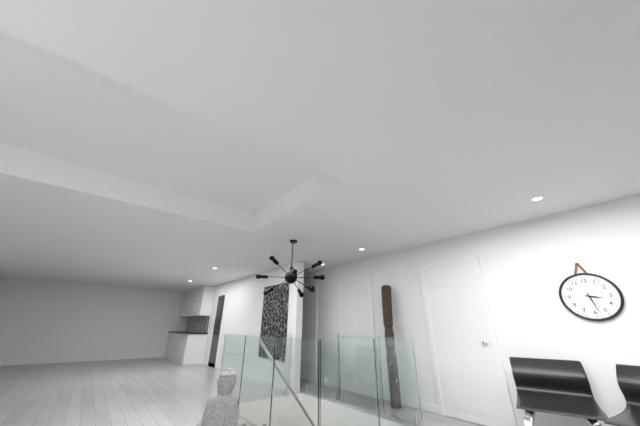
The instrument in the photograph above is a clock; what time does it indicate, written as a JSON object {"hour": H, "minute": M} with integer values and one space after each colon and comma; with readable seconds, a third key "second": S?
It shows {"hour": 3, "minute": 28}
